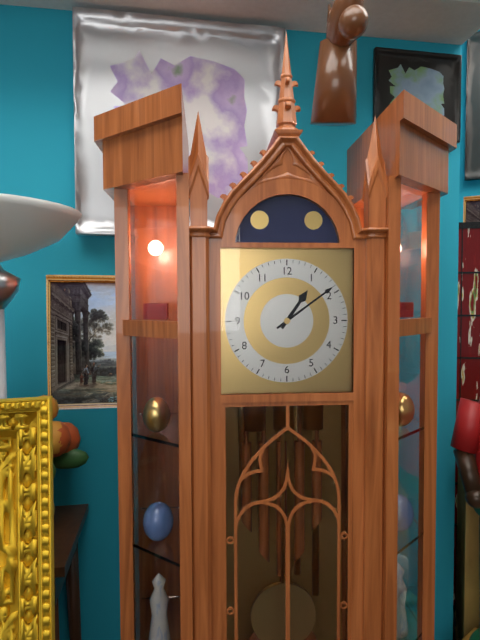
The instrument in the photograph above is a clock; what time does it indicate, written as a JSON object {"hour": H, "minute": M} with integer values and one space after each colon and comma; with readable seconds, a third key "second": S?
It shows {"hour": 1, "minute": 9}
